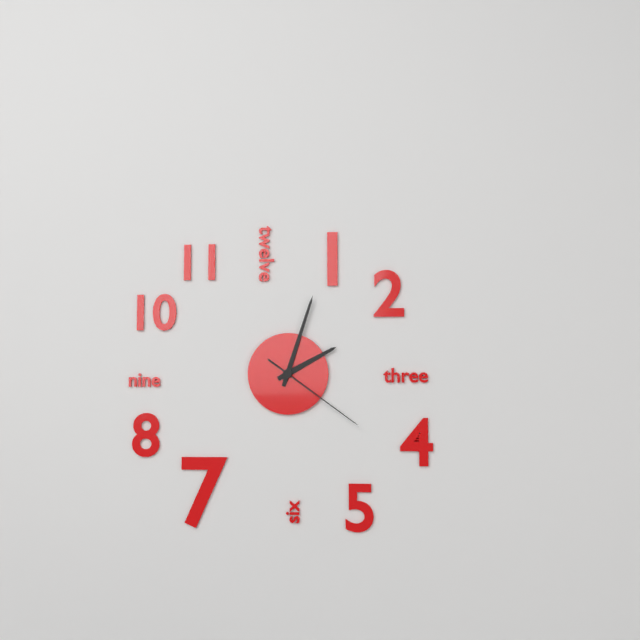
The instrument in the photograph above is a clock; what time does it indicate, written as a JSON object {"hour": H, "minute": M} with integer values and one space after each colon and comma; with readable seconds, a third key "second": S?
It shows {"hour": 2, "minute": 3, "second": 21}
